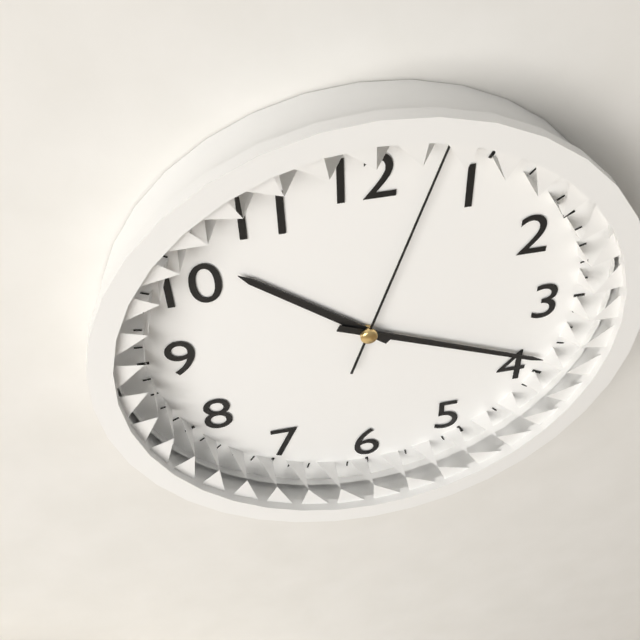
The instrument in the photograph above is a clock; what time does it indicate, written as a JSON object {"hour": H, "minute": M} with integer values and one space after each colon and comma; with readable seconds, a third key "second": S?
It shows {"hour": 10, "minute": 19, "second": 3}
